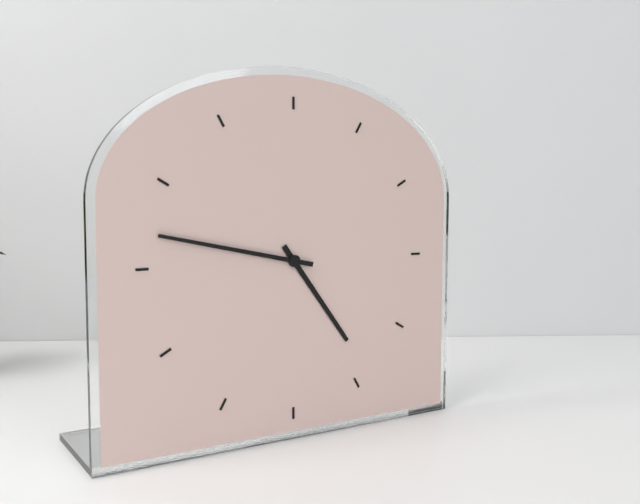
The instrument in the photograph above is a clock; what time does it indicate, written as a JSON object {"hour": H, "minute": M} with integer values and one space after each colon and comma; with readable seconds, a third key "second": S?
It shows {"hour": 4, "minute": 47}
